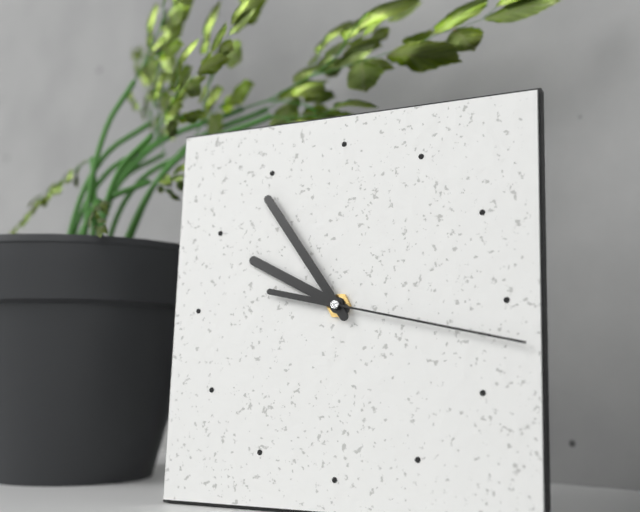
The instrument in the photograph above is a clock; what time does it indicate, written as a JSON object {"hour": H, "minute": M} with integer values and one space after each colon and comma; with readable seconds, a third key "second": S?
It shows {"hour": 9, "minute": 54, "second": 17}
